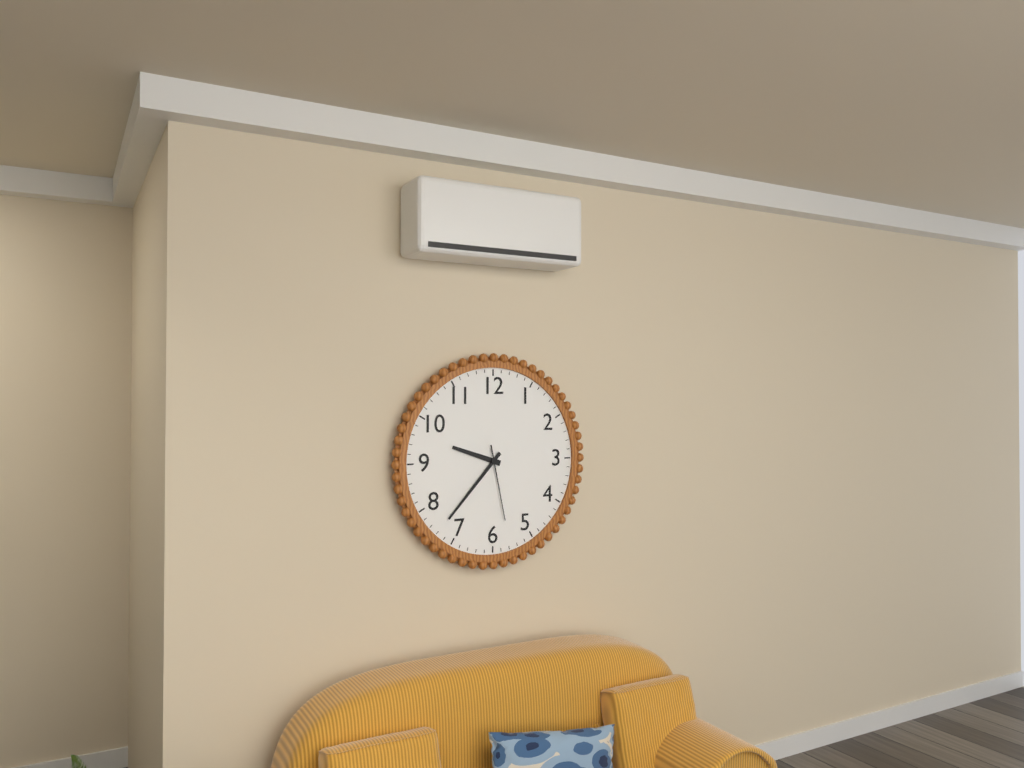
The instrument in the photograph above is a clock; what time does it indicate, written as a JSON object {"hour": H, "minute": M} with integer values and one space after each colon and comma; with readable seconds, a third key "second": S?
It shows {"hour": 9, "minute": 37, "second": 28}
